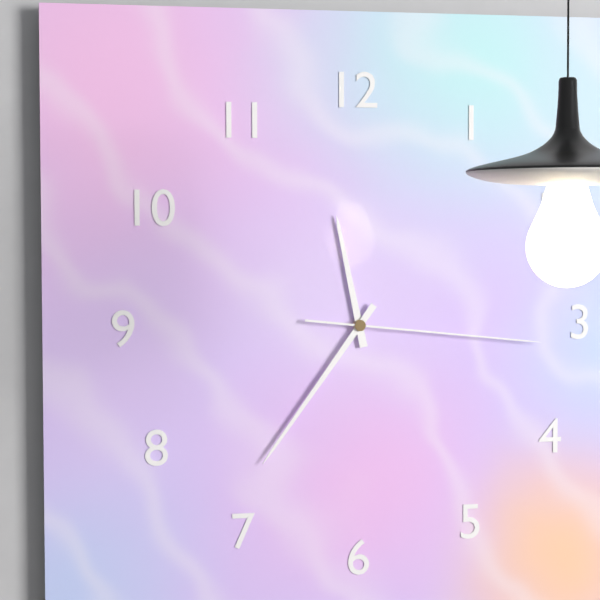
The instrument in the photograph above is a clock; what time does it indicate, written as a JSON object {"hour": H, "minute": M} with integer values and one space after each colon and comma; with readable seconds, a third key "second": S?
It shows {"hour": 11, "minute": 36, "second": 16}
